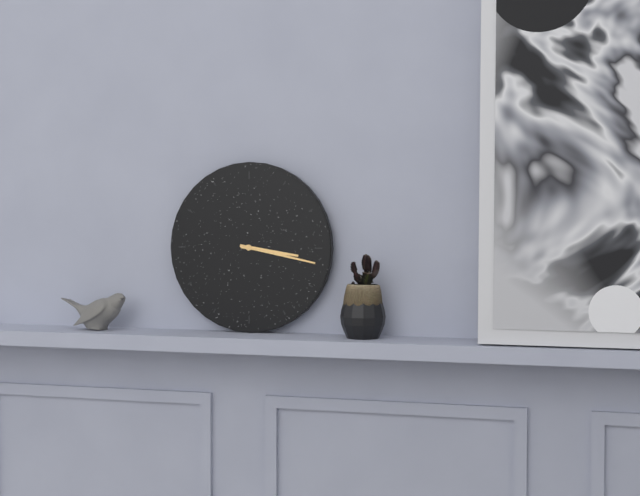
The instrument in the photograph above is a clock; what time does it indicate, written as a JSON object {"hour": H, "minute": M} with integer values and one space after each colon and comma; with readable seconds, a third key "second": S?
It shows {"hour": 3, "minute": 17}
